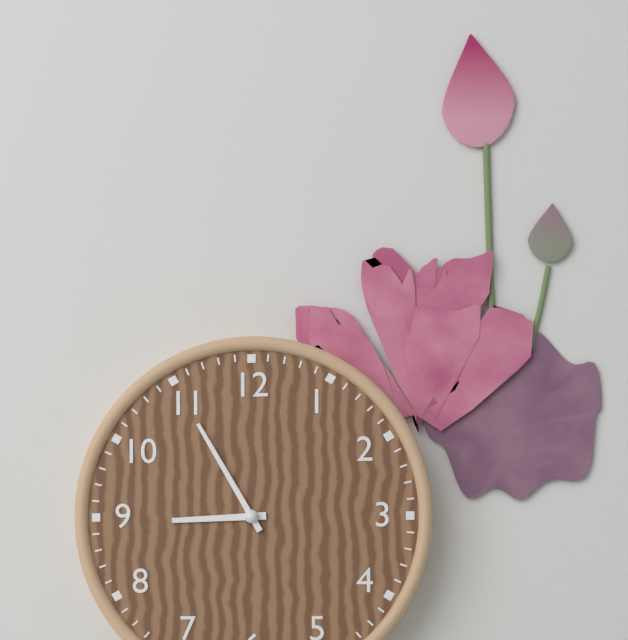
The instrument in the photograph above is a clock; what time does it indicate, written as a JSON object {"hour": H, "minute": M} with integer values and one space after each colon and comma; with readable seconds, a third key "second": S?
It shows {"hour": 8, "minute": 55}
